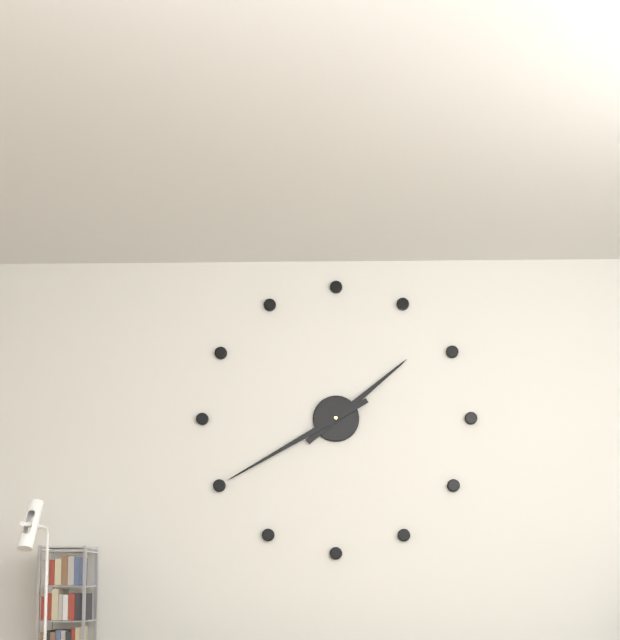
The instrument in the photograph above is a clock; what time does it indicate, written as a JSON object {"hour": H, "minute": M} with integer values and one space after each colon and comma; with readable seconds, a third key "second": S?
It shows {"hour": 1, "minute": 40}
